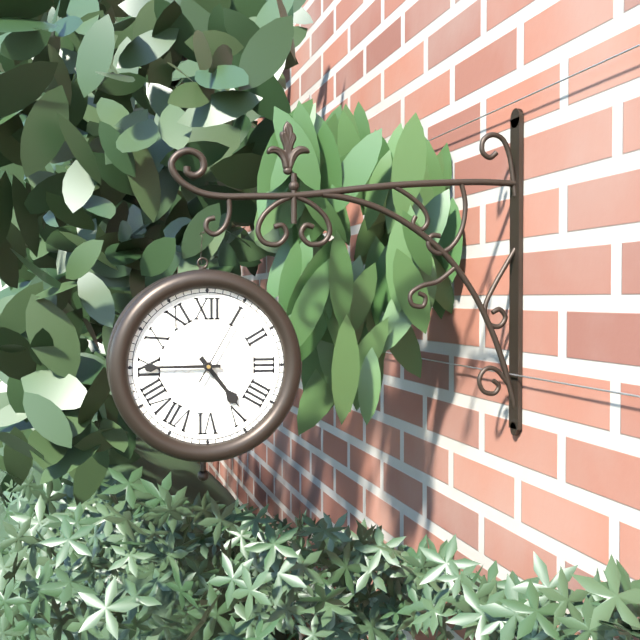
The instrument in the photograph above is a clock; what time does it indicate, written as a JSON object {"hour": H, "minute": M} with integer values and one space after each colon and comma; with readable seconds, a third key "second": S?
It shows {"hour": 4, "minute": 45, "second": 5}
